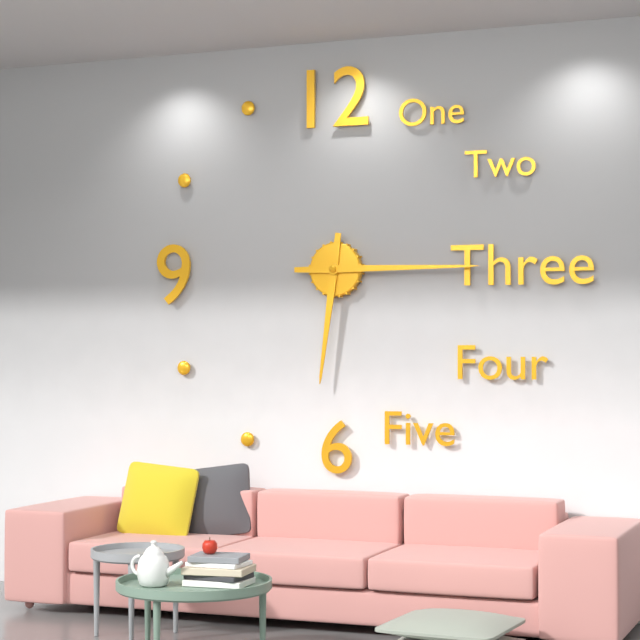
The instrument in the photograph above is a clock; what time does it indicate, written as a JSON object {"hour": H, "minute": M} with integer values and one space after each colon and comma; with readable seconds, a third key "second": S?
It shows {"hour": 6, "minute": 15}
